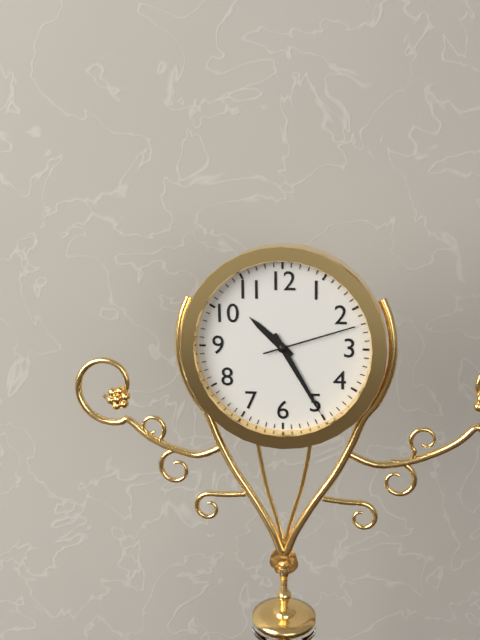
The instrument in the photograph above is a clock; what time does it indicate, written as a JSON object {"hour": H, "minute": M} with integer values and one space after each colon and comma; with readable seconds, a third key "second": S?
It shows {"hour": 10, "minute": 25, "second": 12}
